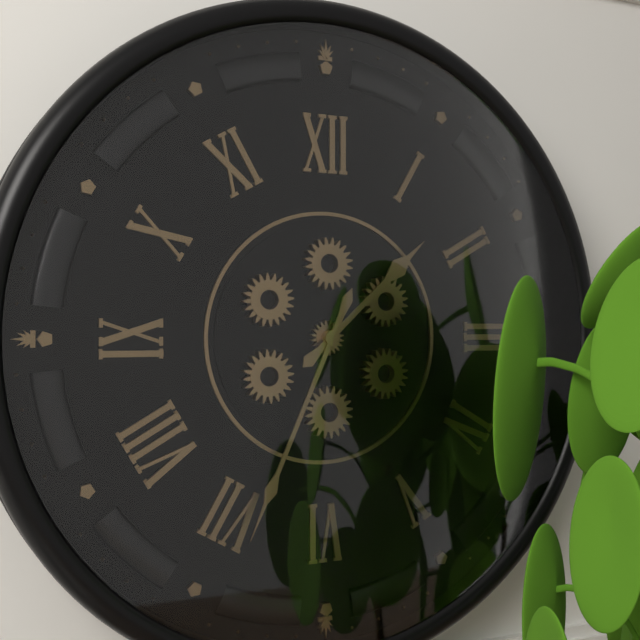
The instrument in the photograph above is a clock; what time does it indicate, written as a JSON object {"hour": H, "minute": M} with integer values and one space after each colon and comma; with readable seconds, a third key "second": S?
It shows {"hour": 1, "minute": 34}
